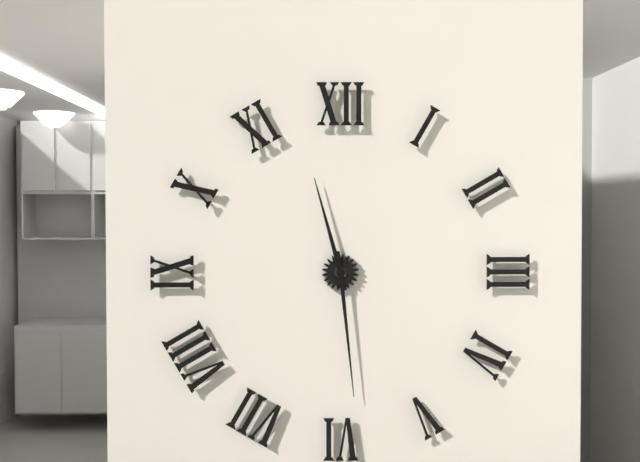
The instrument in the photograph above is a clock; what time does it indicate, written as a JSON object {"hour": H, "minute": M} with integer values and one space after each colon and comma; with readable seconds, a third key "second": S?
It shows {"hour": 11, "minute": 29}
